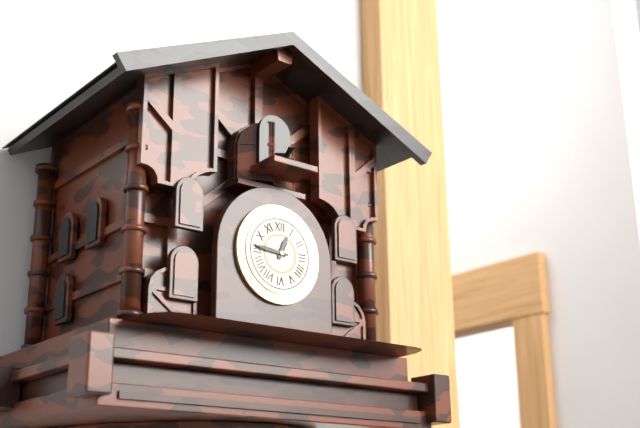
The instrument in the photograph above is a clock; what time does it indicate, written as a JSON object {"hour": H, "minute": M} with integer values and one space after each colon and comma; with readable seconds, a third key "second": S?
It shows {"hour": 12, "minute": 46}
